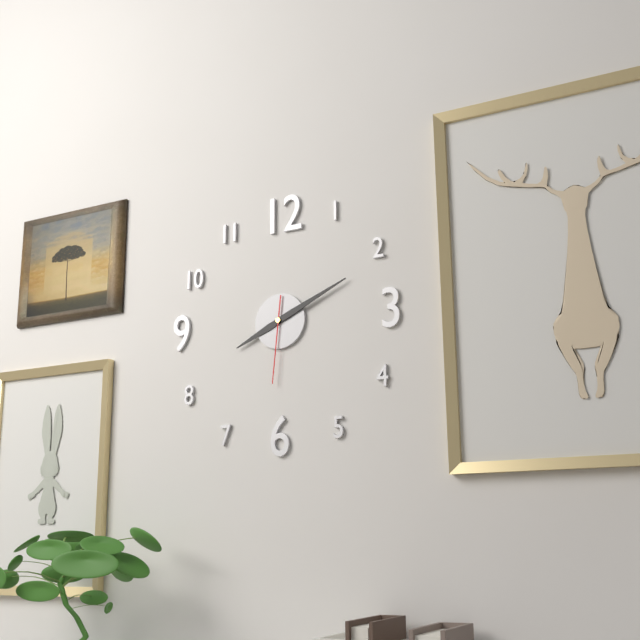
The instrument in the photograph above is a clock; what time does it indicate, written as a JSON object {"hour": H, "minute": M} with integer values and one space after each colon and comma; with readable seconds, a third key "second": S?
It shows {"hour": 8, "minute": 11, "second": 31}
